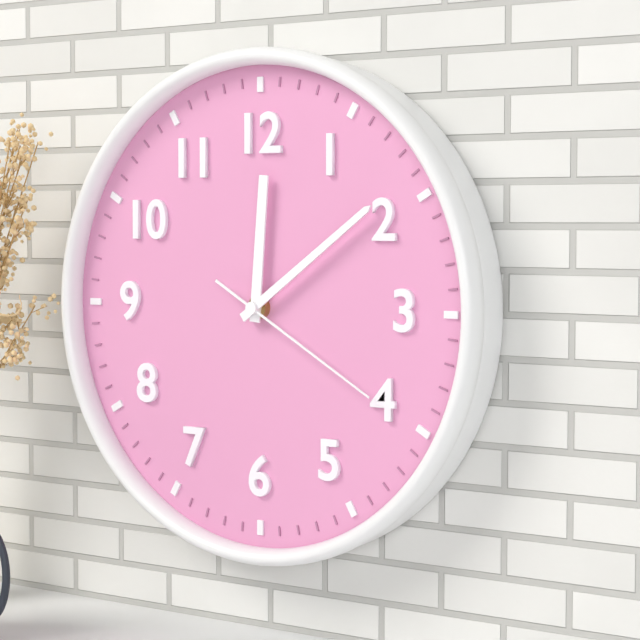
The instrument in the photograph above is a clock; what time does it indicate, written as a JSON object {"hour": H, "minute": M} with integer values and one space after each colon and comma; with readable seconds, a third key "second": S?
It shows {"hour": 12, "minute": 9, "second": 20}
